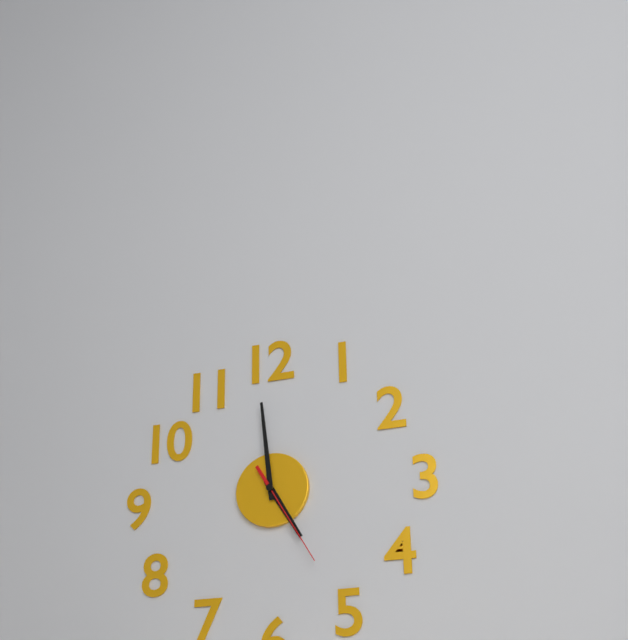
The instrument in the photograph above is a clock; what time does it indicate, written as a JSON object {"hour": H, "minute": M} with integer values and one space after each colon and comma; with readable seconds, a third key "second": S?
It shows {"hour": 4, "minute": 59, "second": 25}
